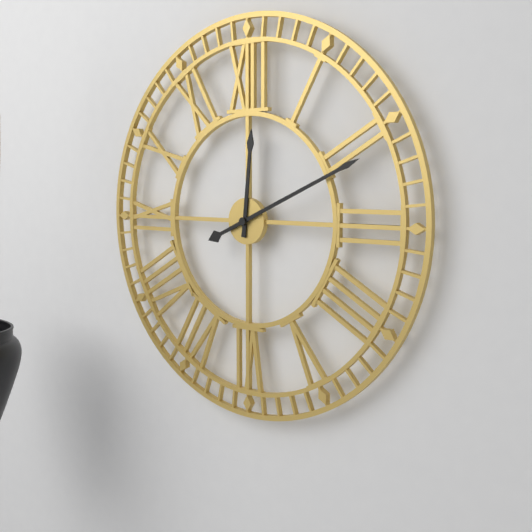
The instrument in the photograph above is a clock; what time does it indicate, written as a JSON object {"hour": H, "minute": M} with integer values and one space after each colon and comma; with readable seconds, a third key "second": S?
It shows {"hour": 12, "minute": 11}
